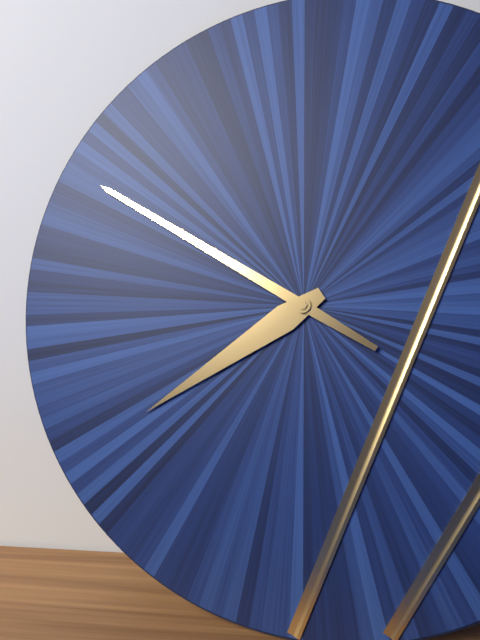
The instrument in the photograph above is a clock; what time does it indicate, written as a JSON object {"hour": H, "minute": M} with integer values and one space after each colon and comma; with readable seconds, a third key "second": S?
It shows {"hour": 7, "minute": 50}
